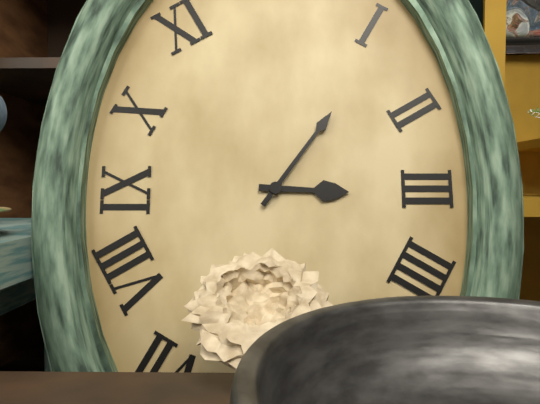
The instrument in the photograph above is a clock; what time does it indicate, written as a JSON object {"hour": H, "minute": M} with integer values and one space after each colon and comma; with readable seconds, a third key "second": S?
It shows {"hour": 3, "minute": 6}
